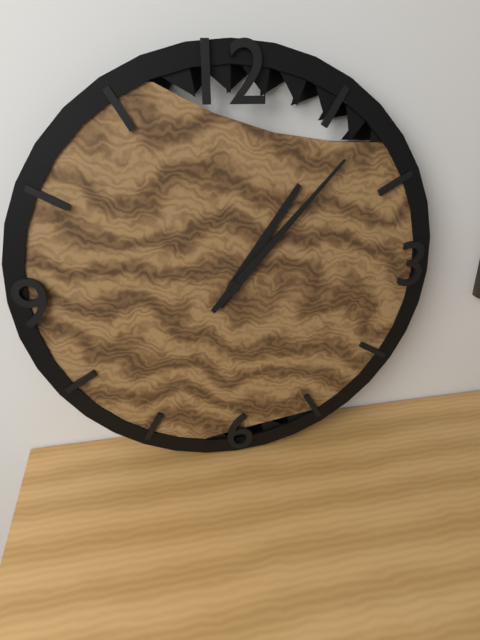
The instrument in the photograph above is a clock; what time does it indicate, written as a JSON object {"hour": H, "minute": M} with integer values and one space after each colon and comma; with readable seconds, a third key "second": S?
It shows {"hour": 1, "minute": 7}
